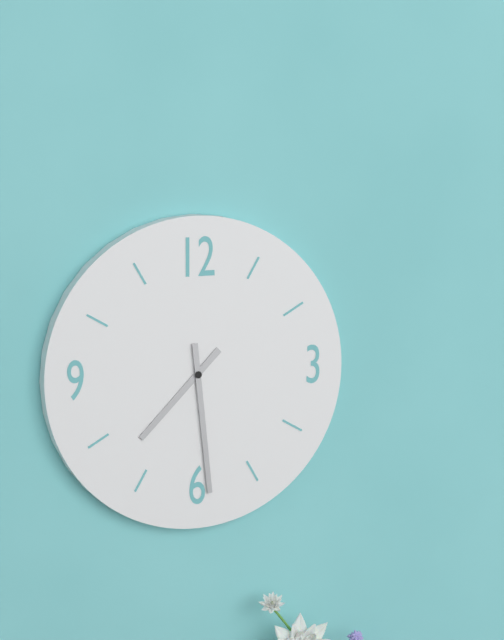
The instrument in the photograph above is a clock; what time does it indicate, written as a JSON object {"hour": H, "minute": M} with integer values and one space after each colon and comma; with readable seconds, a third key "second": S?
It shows {"hour": 7, "minute": 29}
